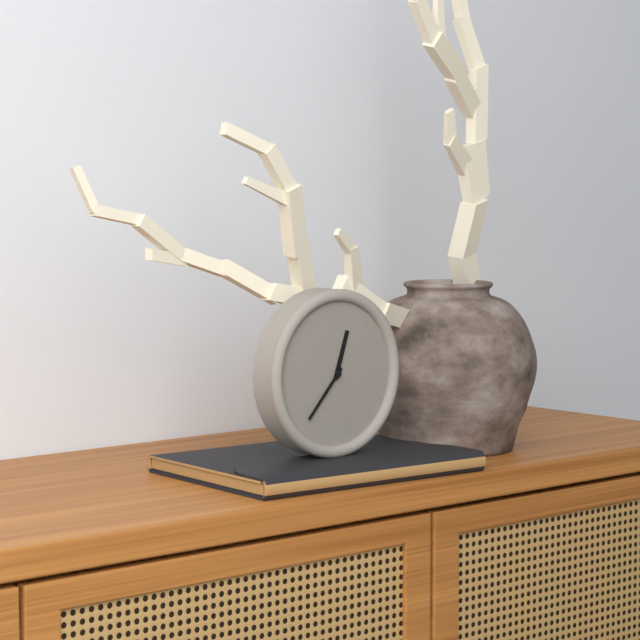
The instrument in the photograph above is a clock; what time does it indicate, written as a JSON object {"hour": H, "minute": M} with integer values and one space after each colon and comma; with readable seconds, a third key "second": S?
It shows {"hour": 12, "minute": 37}
